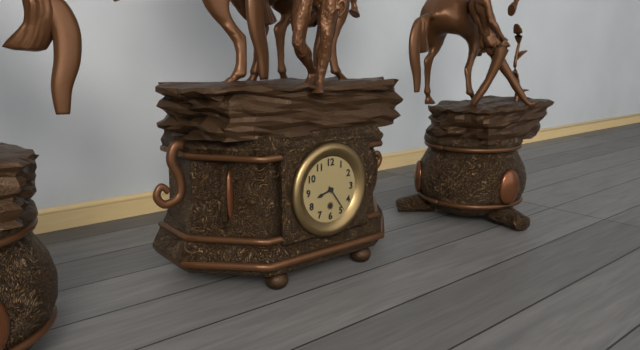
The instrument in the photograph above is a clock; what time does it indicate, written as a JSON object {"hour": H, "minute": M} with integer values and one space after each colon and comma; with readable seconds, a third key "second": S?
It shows {"hour": 8, "minute": 24}
